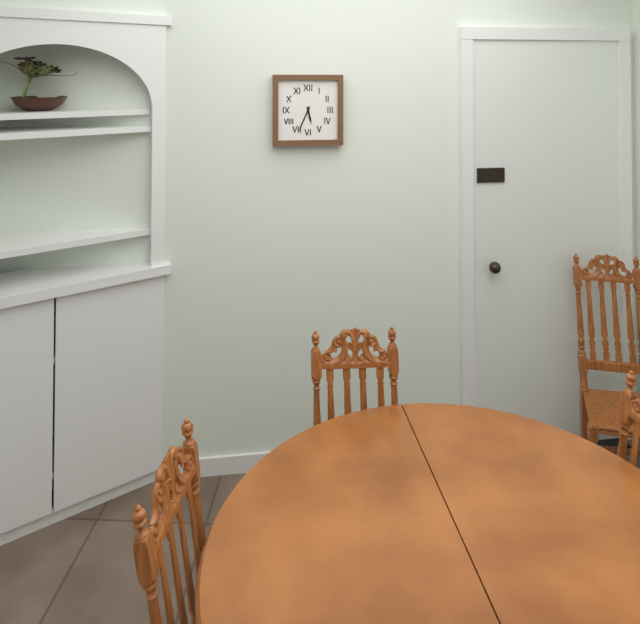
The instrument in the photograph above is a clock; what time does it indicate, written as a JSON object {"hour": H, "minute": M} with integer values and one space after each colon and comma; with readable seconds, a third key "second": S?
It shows {"hour": 5, "minute": 34}
